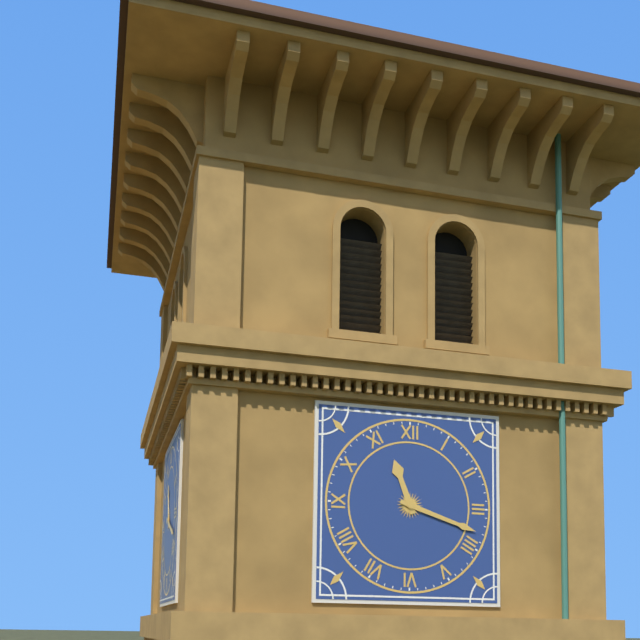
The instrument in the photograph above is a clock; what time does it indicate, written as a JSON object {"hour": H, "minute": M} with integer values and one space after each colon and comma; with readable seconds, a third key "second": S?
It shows {"hour": 11, "minute": 18}
